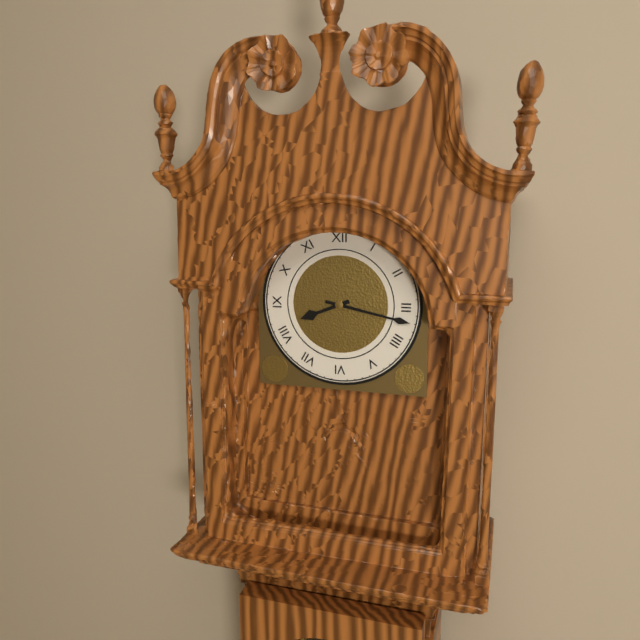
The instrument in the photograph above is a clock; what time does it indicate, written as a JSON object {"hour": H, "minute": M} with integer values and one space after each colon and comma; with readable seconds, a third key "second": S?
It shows {"hour": 8, "minute": 17}
